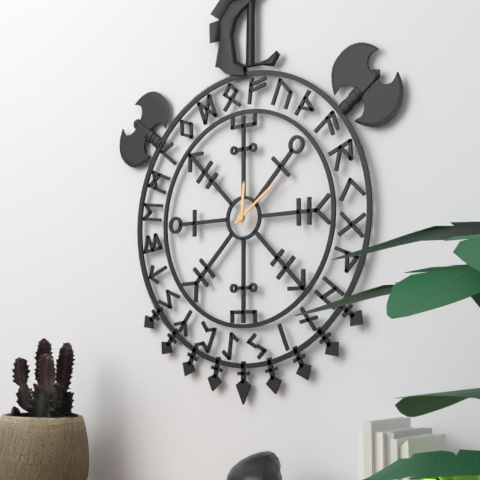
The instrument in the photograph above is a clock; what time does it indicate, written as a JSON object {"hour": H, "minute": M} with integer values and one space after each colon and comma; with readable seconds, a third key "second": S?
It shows {"hour": 12, "minute": 9}
